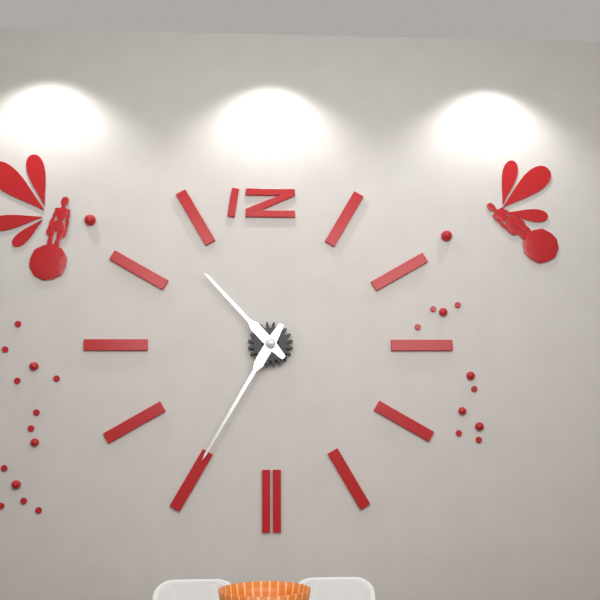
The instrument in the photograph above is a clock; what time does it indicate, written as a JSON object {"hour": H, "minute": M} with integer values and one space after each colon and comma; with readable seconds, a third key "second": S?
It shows {"hour": 10, "minute": 35}
